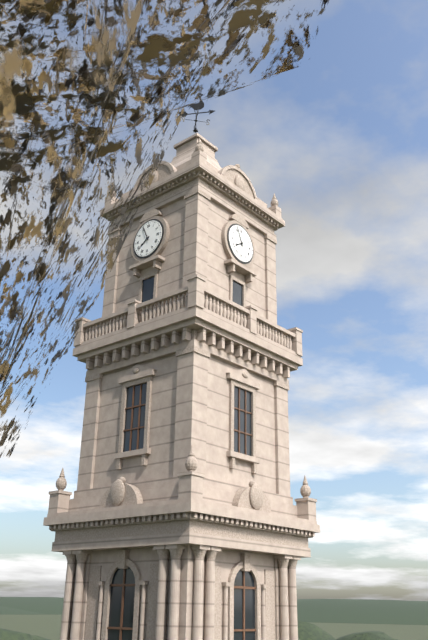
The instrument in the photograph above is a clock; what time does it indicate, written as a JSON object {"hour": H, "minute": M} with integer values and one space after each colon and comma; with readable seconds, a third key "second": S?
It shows {"hour": 7, "minute": 56}
